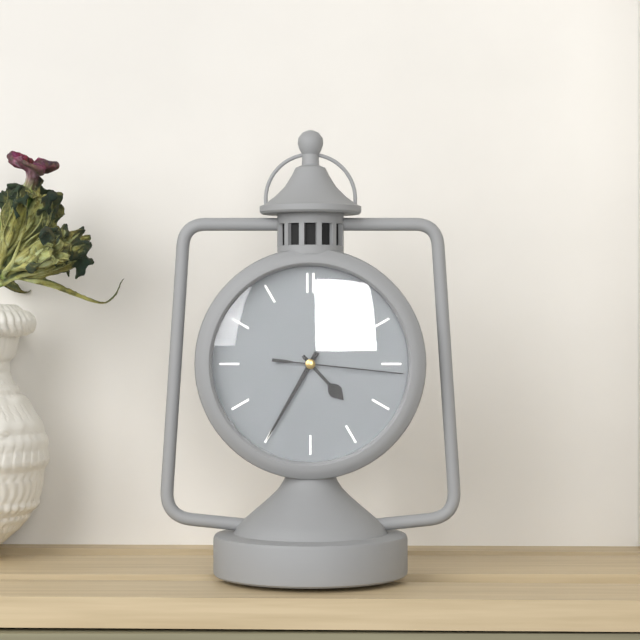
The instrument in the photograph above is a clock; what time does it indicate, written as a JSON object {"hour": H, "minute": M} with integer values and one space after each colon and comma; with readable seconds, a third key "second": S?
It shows {"hour": 4, "minute": 35, "second": 16}
